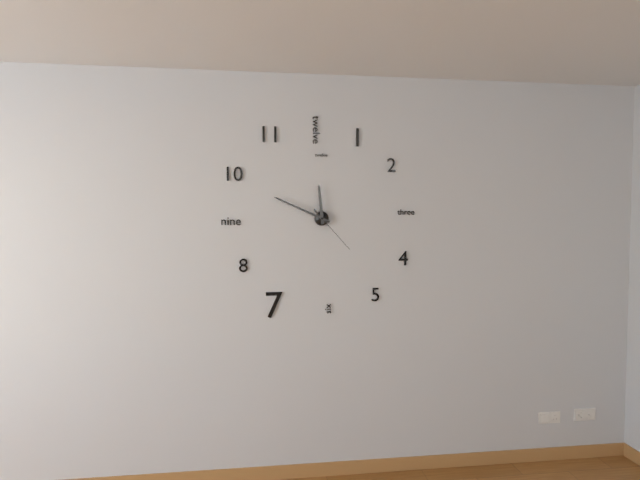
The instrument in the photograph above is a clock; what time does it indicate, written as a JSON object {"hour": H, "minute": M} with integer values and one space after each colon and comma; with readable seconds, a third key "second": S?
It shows {"hour": 11, "minute": 49, "second": 23}
